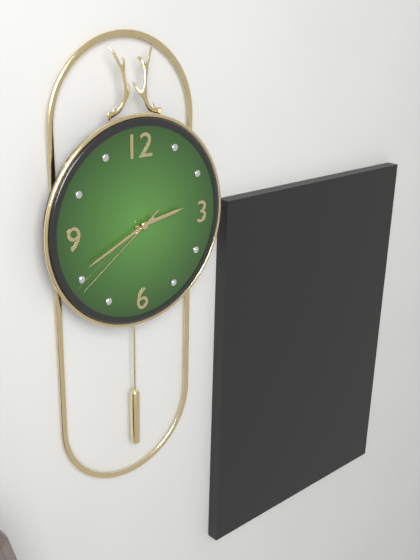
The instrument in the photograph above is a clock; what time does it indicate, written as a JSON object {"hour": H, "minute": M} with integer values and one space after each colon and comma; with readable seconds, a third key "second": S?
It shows {"hour": 2, "minute": 41, "second": 39}
